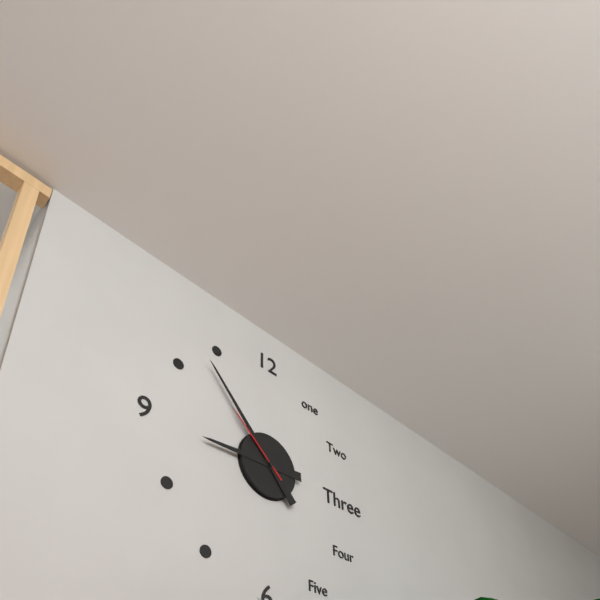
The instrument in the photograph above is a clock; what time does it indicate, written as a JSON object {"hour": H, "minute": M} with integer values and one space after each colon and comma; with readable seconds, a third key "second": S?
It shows {"hour": 8, "minute": 53, "second": 52}
